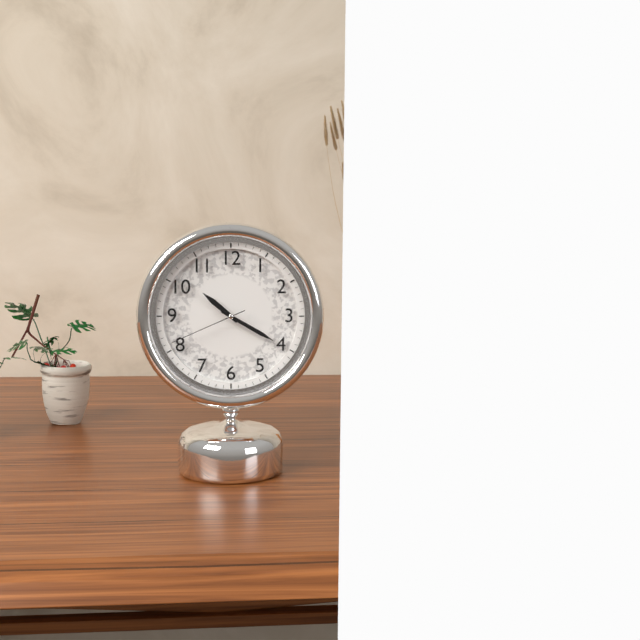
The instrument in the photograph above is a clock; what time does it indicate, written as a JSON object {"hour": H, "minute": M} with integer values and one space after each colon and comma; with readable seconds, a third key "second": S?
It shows {"hour": 10, "minute": 20, "second": 41}
